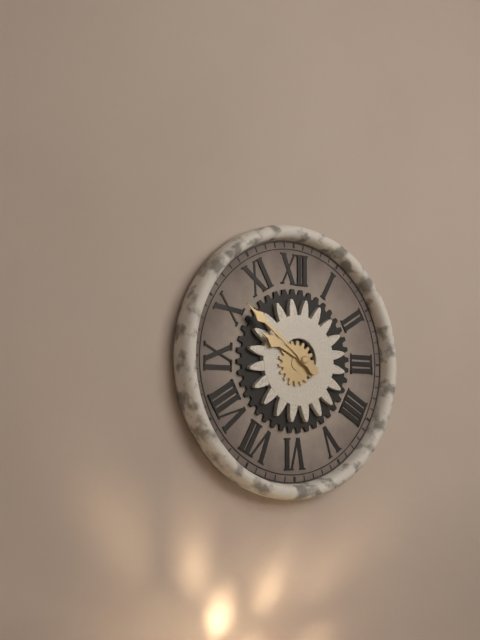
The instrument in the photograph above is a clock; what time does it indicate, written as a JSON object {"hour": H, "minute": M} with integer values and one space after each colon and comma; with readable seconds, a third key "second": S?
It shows {"hour": 9, "minute": 51}
